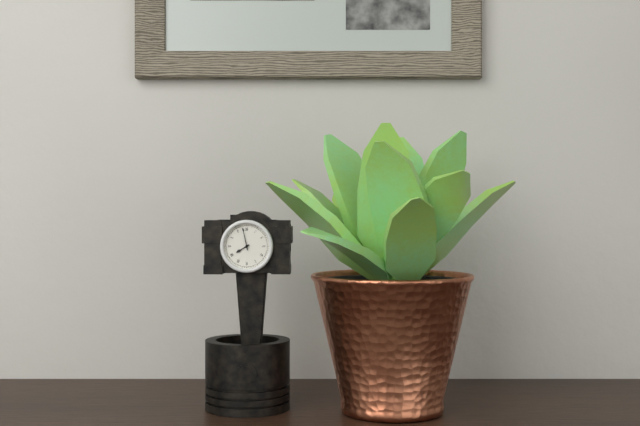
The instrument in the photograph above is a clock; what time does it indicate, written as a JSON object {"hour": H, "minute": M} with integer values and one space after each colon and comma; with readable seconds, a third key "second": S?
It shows {"hour": 7, "minute": 58}
